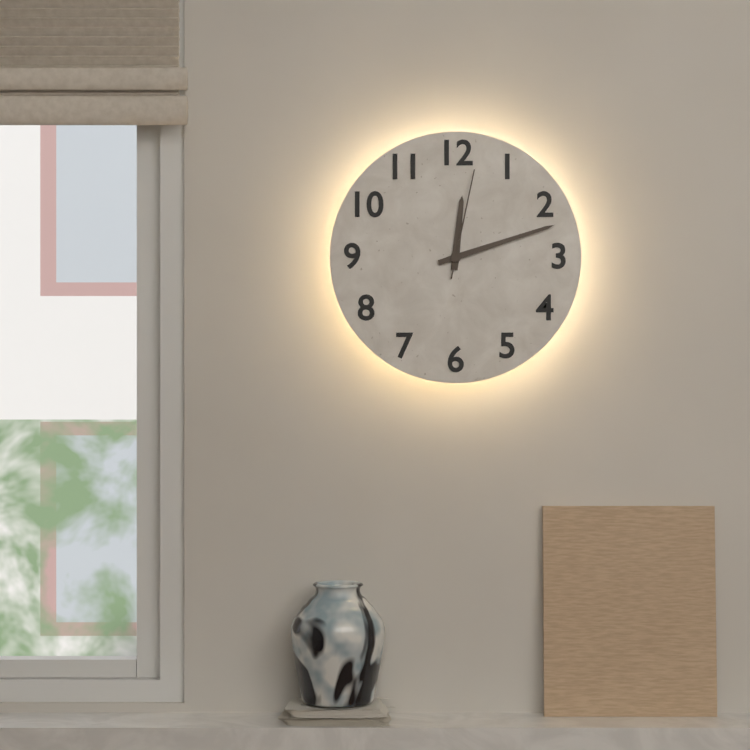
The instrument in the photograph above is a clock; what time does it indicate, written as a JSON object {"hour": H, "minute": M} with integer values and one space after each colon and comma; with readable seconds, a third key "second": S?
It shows {"hour": 12, "minute": 12, "second": 2}
